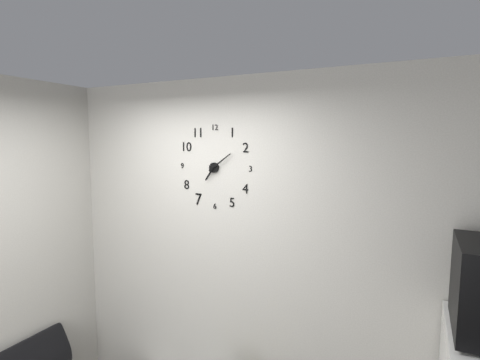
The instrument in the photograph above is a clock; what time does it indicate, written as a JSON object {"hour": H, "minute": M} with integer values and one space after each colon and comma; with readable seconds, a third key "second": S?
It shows {"hour": 7, "minute": 9}
